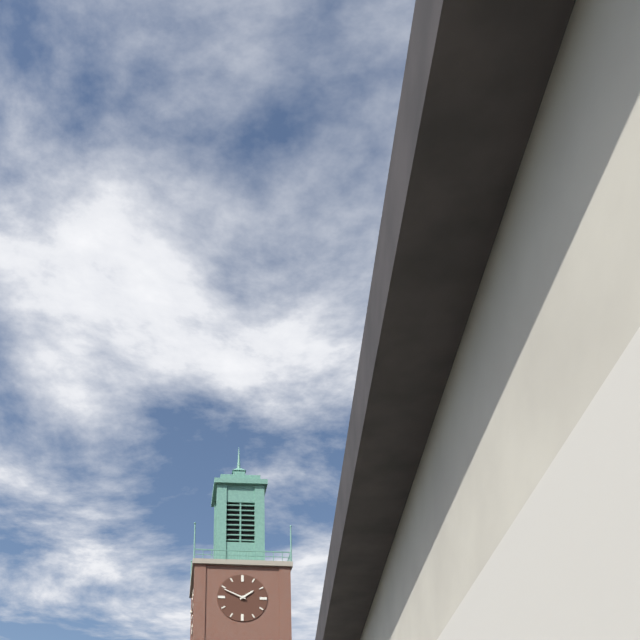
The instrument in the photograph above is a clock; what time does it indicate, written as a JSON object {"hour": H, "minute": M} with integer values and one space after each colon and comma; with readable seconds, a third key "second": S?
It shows {"hour": 1, "minute": 49}
